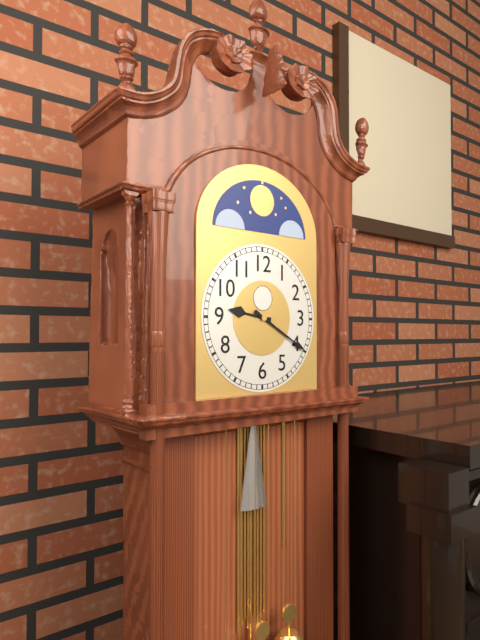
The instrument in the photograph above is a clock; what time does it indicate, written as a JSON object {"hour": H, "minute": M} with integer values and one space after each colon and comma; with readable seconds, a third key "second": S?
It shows {"hour": 9, "minute": 20}
